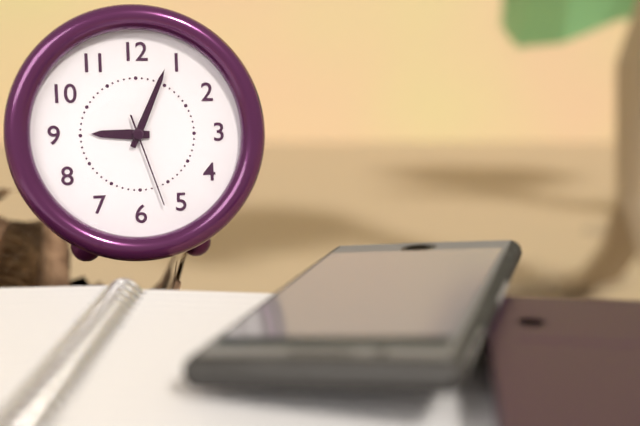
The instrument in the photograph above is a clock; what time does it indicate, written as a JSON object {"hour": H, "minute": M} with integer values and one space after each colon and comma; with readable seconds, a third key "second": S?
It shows {"hour": 9, "minute": 4, "second": 27}
